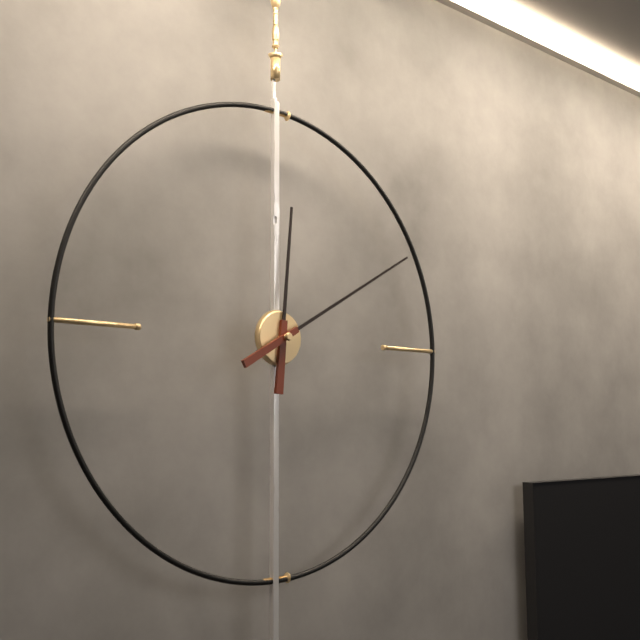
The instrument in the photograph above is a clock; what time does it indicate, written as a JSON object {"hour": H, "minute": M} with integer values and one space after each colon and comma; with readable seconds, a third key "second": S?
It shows {"hour": 12, "minute": 10}
